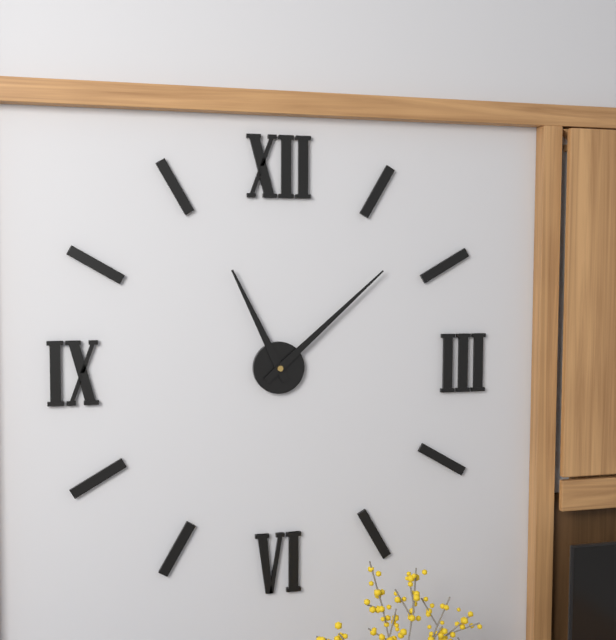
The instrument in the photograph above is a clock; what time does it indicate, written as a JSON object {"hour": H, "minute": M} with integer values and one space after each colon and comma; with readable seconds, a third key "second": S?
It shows {"hour": 11, "minute": 8}
